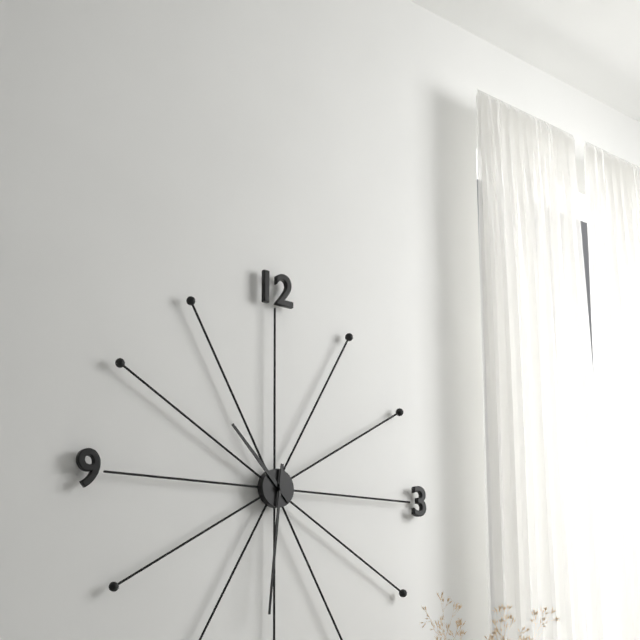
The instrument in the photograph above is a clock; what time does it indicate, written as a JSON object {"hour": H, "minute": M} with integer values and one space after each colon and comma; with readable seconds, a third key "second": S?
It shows {"hour": 10, "minute": 31}
